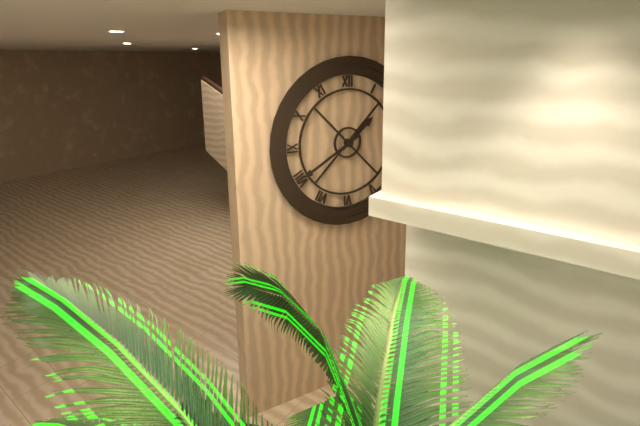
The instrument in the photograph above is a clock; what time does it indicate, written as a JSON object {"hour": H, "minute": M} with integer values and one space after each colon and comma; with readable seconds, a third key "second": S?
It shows {"hour": 1, "minute": 40}
